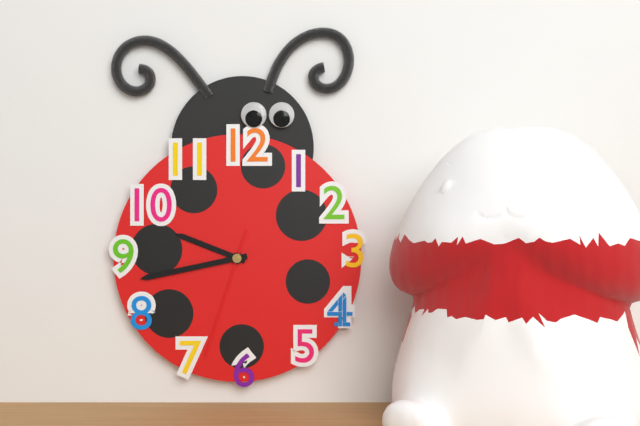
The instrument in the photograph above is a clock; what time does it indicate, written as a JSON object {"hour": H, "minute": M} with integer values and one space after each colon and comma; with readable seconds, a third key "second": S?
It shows {"hour": 9, "minute": 43, "second": 33}
